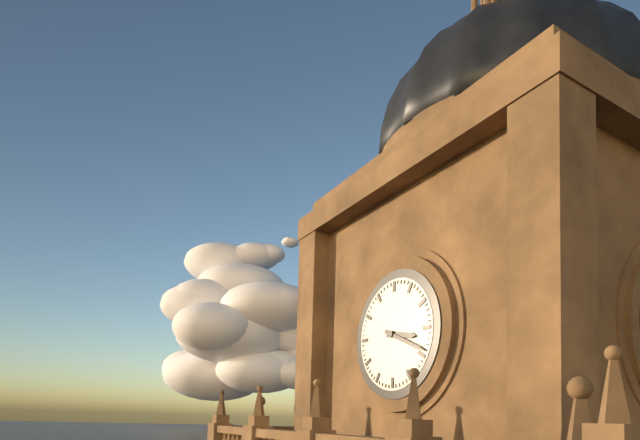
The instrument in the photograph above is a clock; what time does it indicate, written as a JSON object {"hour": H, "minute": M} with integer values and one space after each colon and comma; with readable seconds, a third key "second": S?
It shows {"hour": 3, "minute": 19}
